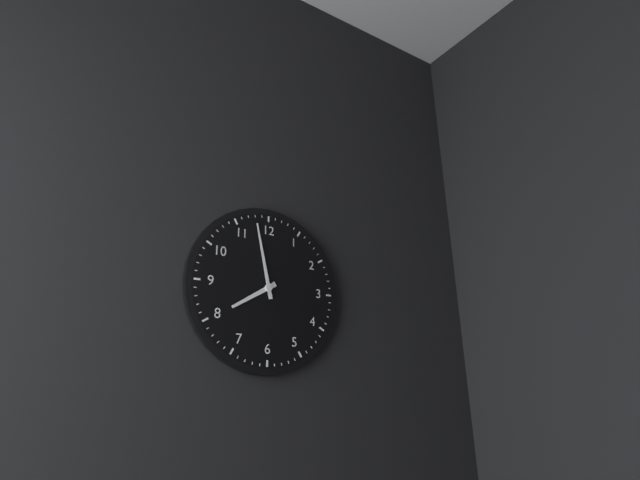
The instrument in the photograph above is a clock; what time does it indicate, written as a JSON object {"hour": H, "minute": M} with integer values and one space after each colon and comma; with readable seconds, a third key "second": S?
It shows {"hour": 7, "minute": 58}
